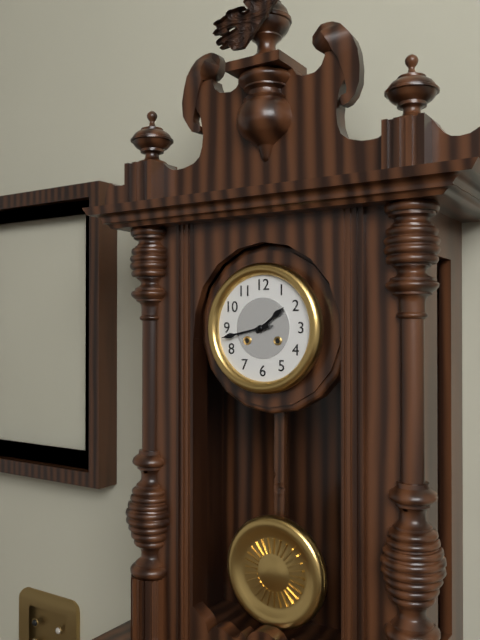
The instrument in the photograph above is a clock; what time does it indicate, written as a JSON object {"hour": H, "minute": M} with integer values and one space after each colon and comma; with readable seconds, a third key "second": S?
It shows {"hour": 1, "minute": 43}
